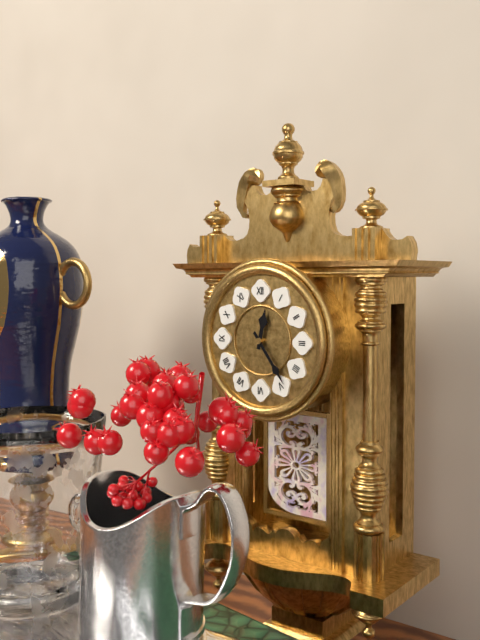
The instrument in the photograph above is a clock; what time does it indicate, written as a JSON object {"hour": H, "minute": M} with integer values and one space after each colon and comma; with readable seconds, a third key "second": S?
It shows {"hour": 12, "minute": 24}
